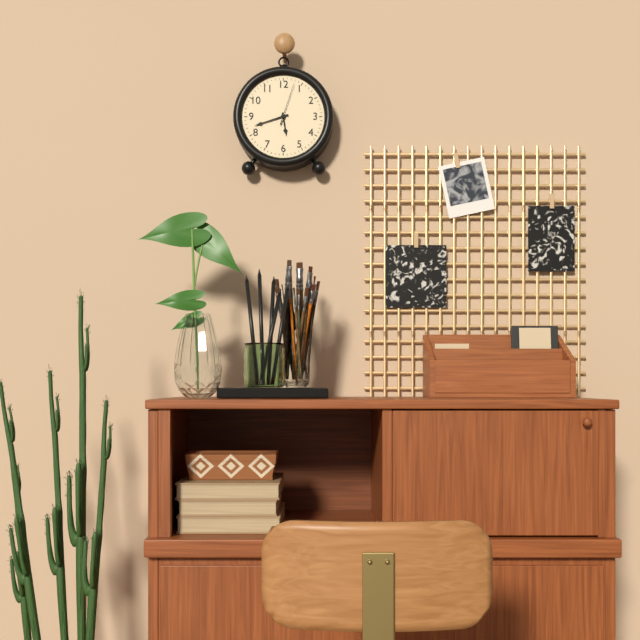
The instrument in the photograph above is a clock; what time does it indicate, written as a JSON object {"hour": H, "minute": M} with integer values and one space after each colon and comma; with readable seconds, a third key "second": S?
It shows {"hour": 5, "minute": 42}
